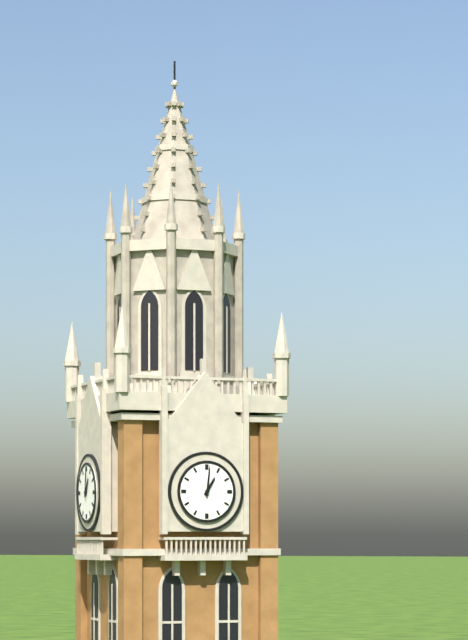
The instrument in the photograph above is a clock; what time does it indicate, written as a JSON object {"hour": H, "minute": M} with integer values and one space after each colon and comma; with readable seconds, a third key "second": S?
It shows {"hour": 1, "minute": 1}
